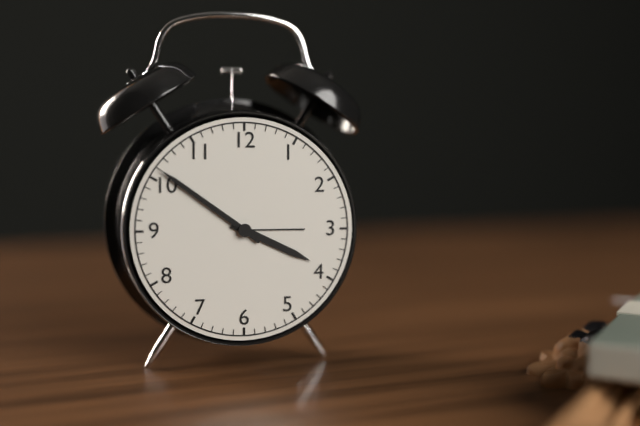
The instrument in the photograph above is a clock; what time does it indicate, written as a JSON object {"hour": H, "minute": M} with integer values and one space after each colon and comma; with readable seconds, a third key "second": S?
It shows {"hour": 3, "minute": 51}
